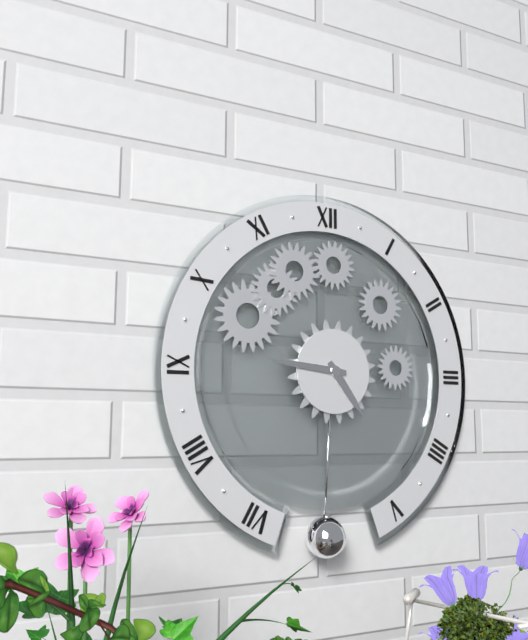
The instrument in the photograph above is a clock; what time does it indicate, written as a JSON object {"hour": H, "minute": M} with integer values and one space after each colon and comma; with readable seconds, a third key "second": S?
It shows {"hour": 4, "minute": 46}
